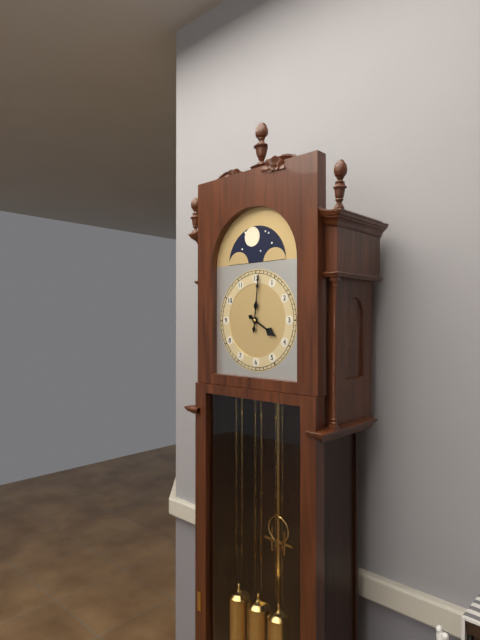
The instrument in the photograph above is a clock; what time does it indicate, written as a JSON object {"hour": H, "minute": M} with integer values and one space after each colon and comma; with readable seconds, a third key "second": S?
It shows {"hour": 4, "minute": 1}
